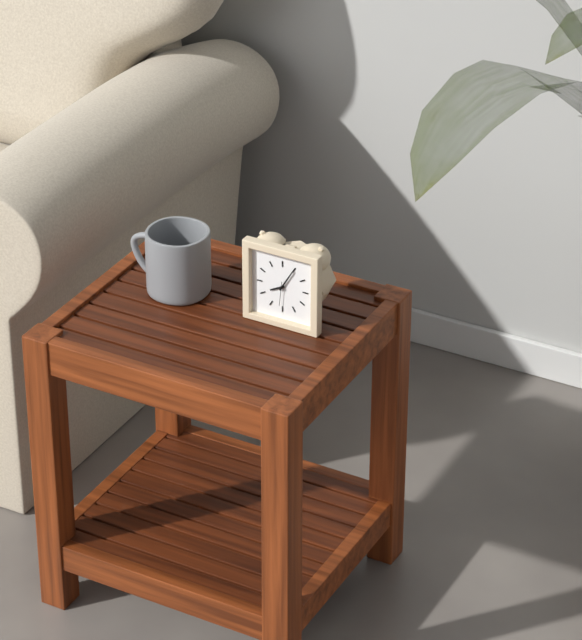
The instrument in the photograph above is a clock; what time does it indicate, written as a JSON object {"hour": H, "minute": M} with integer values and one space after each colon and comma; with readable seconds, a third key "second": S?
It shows {"hour": 8, "minute": 5}
